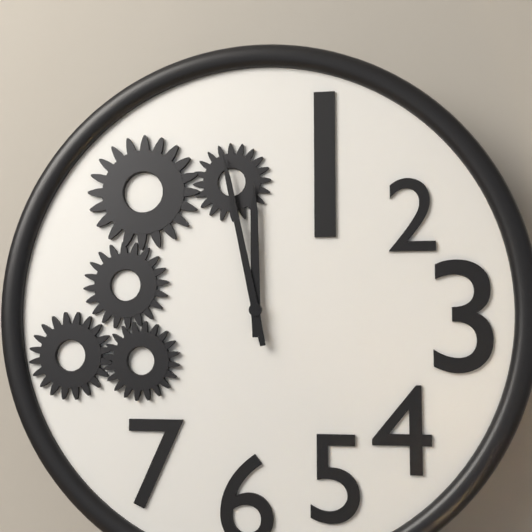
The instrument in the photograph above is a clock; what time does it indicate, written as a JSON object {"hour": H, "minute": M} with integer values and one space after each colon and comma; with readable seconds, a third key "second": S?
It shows {"hour": 11, "minute": 58}
